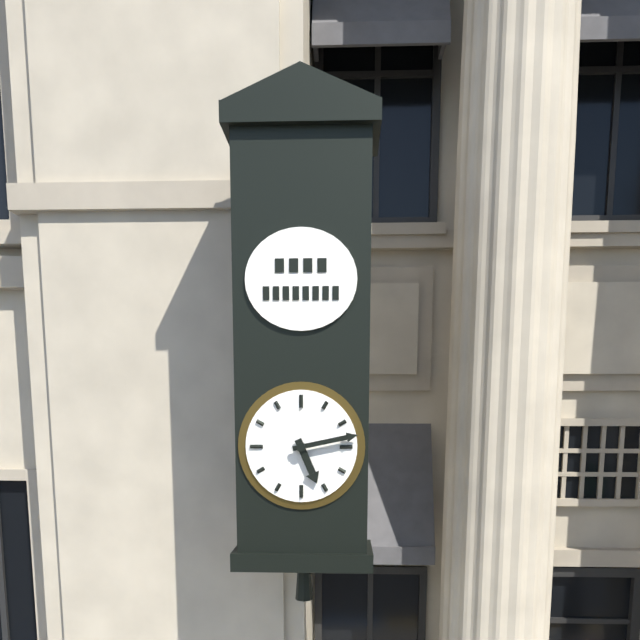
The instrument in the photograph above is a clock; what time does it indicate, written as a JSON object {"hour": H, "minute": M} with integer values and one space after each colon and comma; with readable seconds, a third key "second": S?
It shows {"hour": 5, "minute": 13}
